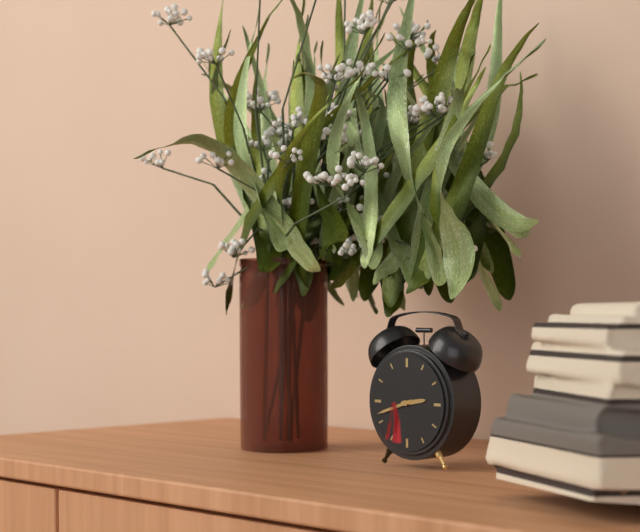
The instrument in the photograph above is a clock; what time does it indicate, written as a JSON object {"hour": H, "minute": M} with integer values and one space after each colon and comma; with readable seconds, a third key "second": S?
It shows {"hour": 2, "minute": 42}
